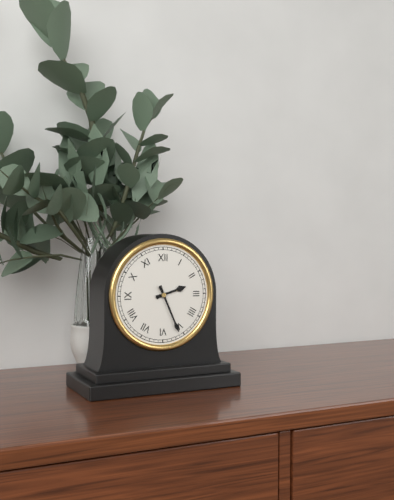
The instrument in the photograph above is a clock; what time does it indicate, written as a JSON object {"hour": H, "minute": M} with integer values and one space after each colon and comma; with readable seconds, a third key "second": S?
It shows {"hour": 2, "minute": 26}
